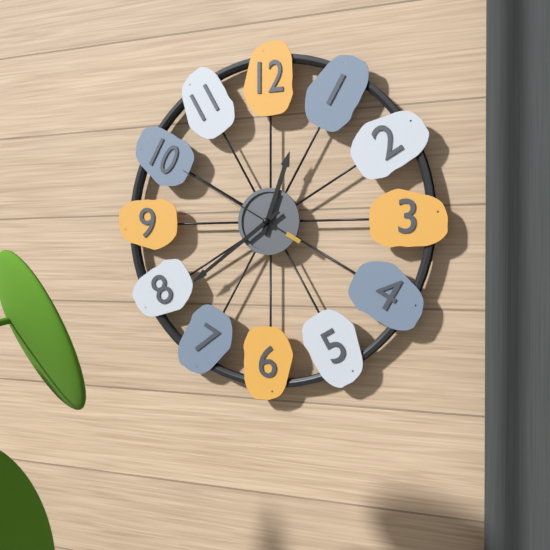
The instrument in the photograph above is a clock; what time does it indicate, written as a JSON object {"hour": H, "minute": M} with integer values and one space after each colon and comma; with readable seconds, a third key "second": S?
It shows {"hour": 12, "minute": 39, "second": 50}
